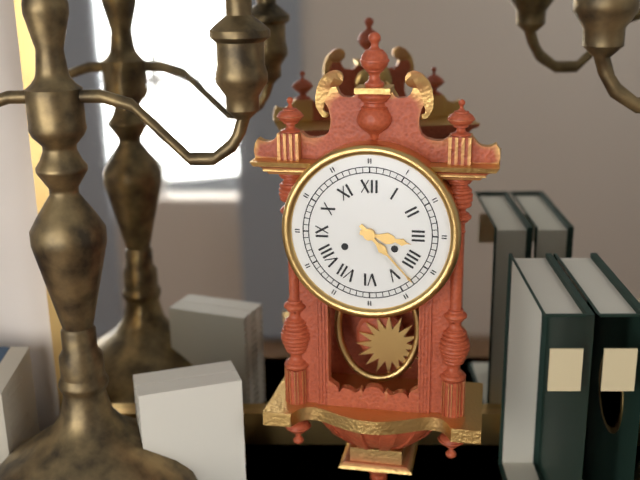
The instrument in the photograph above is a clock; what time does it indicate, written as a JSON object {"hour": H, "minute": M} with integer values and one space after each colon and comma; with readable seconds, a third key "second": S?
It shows {"hour": 3, "minute": 23}
